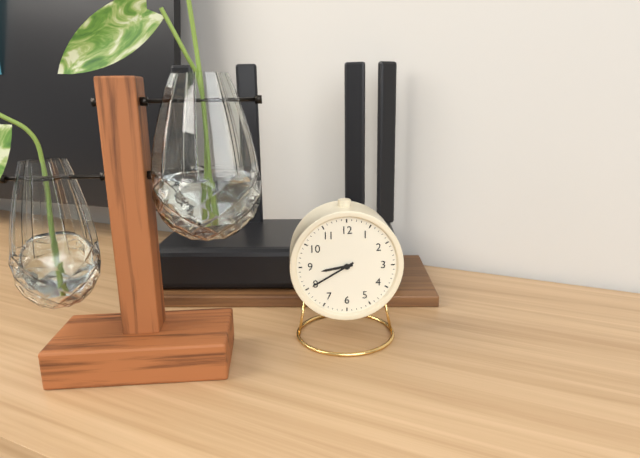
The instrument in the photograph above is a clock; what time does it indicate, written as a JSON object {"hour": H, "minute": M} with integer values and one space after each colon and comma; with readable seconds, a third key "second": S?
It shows {"hour": 8, "minute": 40}
